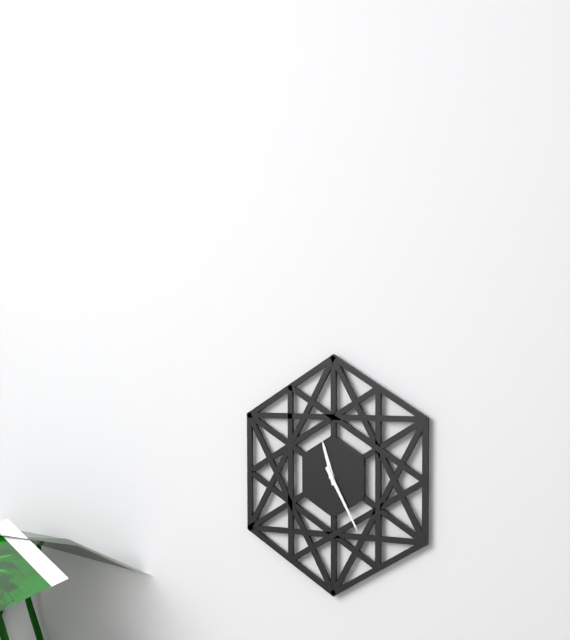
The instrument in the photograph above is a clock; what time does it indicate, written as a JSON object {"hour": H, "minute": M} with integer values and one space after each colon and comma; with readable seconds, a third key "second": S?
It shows {"hour": 11, "minute": 25}
